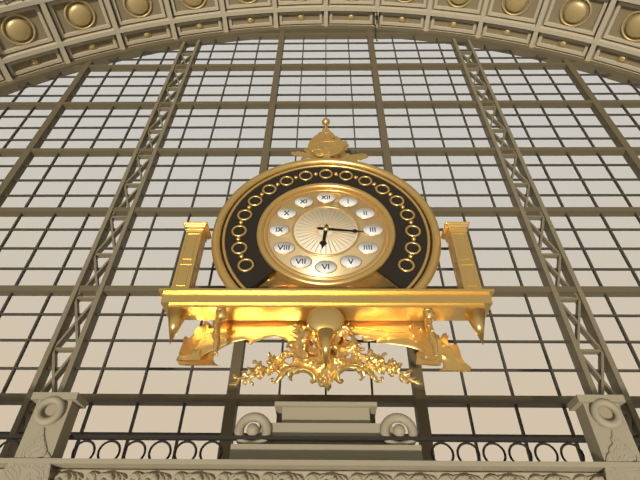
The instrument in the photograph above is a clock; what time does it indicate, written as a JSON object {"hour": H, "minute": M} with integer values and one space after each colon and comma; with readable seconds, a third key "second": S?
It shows {"hour": 6, "minute": 16}
